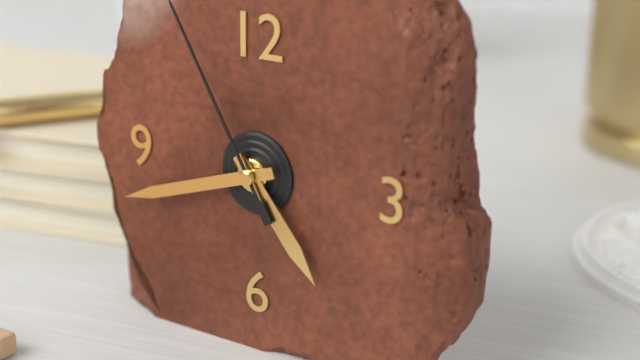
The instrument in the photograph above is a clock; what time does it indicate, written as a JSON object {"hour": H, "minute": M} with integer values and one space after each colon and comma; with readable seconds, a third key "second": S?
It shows {"hour": 4, "minute": 42}
